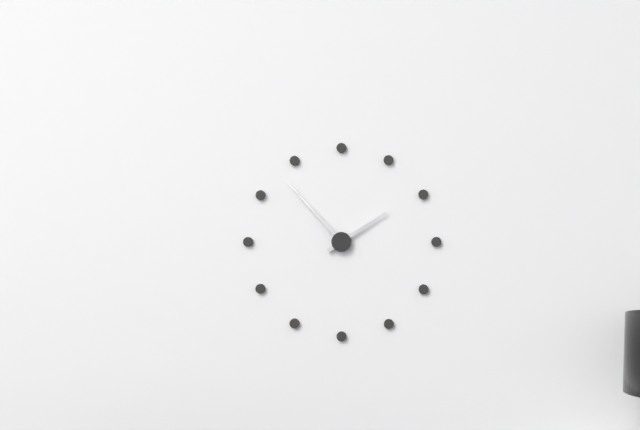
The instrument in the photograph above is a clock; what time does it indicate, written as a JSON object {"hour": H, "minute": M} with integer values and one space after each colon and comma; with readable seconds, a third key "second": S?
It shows {"hour": 1, "minute": 53}
